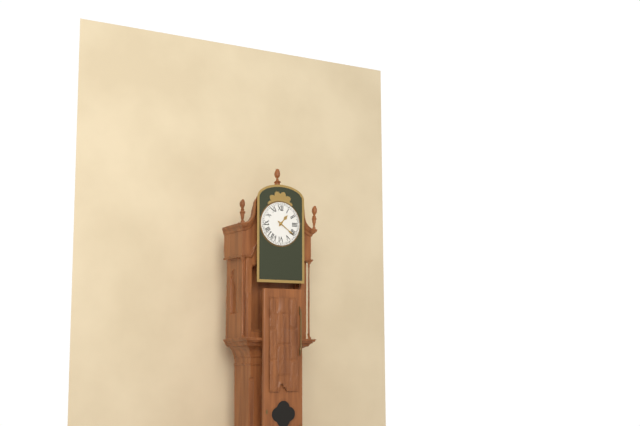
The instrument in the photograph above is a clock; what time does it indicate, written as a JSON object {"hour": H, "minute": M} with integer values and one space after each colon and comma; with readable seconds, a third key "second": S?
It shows {"hour": 1, "minute": 21}
